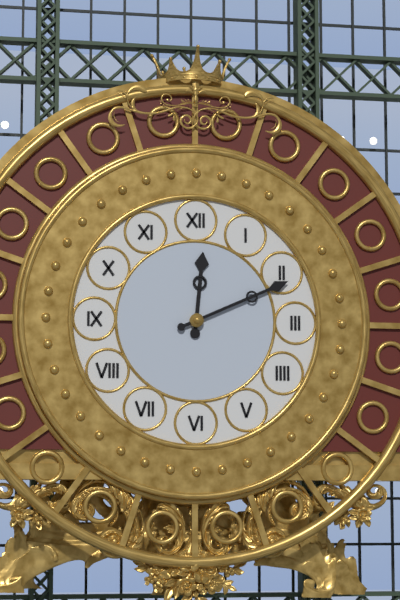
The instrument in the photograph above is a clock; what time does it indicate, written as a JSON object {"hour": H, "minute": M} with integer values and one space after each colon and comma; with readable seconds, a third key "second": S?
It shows {"hour": 12, "minute": 11}
